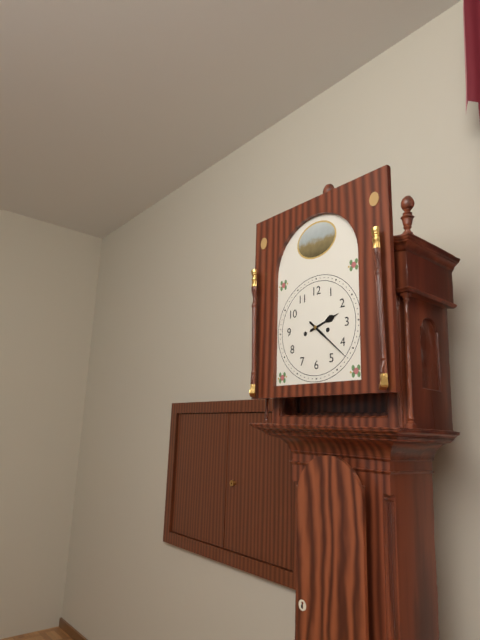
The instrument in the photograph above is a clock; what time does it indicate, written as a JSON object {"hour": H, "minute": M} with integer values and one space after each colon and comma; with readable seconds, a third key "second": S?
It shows {"hour": 2, "minute": 22}
